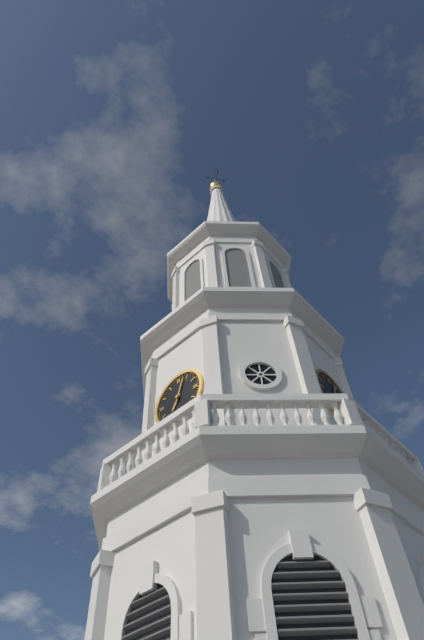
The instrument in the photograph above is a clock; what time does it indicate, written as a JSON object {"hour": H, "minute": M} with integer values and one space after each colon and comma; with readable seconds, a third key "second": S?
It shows {"hour": 7, "minute": 3}
